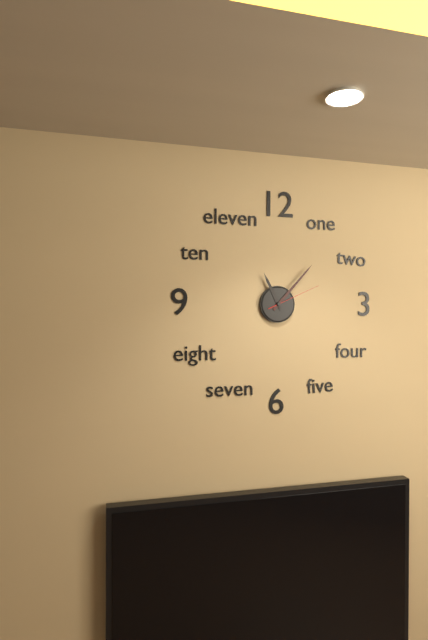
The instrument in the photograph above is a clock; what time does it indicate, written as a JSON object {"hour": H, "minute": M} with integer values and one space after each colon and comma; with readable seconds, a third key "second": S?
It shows {"hour": 11, "minute": 7, "second": 11}
